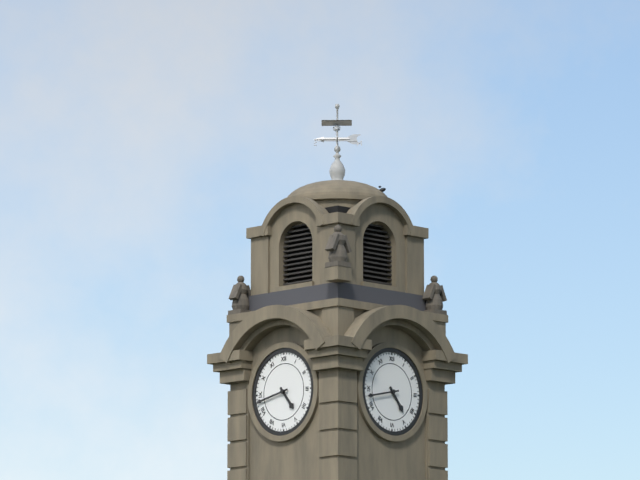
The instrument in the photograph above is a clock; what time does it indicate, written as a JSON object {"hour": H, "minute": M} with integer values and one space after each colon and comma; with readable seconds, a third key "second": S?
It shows {"hour": 4, "minute": 43}
